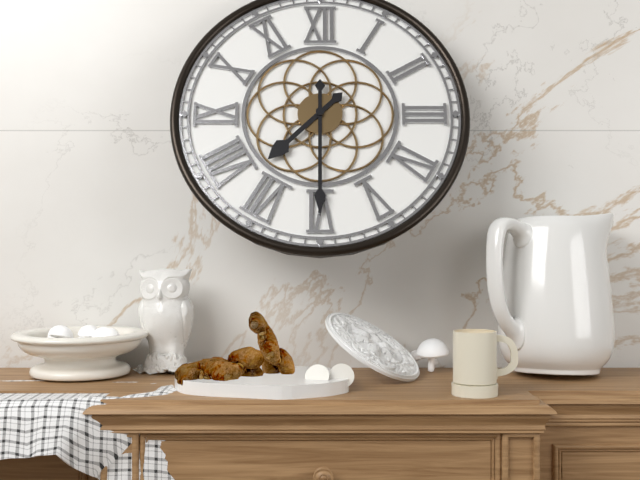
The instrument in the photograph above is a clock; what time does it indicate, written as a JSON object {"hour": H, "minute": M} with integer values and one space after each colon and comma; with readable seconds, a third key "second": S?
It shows {"hour": 7, "minute": 30}
